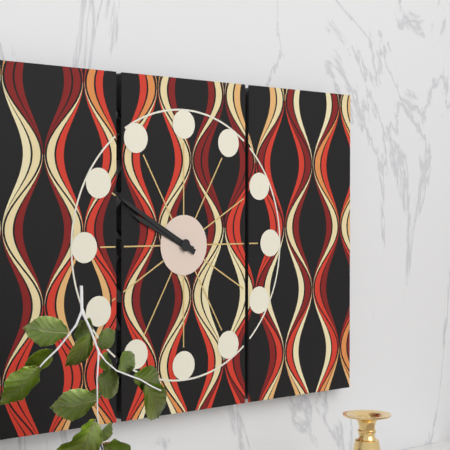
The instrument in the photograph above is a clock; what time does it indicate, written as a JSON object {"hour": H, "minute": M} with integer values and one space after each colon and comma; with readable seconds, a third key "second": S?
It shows {"hour": 9, "minute": 50}
